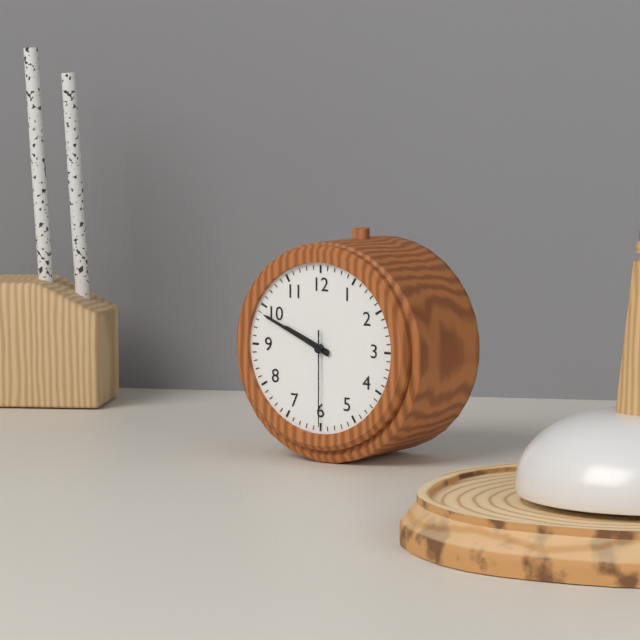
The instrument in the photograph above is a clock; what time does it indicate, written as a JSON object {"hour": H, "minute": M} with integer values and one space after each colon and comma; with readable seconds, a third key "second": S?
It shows {"hour": 9, "minute": 49, "second": 30}
